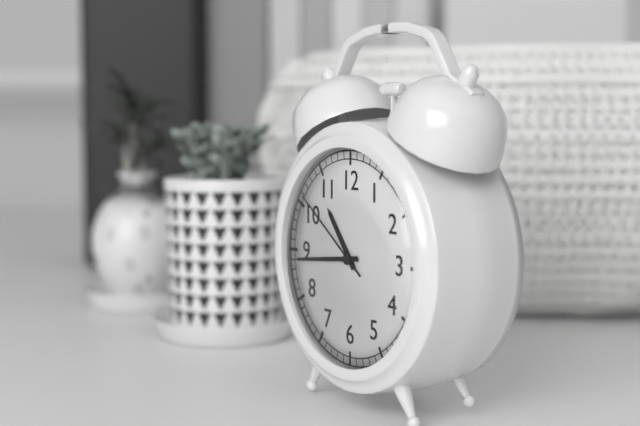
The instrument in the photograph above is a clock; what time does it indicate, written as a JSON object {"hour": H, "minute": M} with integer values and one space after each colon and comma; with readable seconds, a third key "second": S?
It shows {"hour": 10, "minute": 44, "second": 51}
